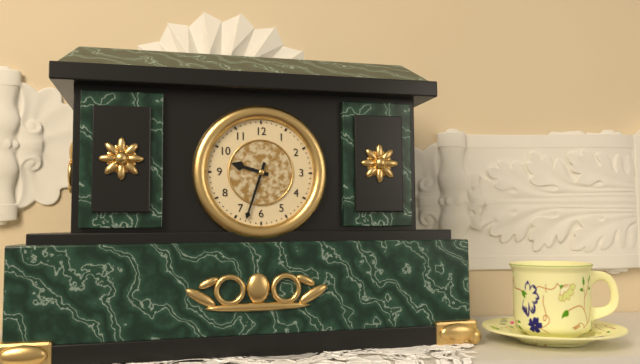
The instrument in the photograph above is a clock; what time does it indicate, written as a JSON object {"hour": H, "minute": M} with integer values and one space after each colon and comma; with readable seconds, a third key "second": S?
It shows {"hour": 9, "minute": 33}
